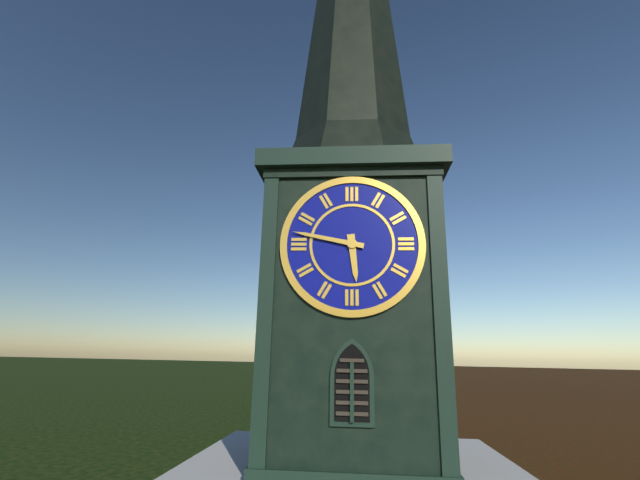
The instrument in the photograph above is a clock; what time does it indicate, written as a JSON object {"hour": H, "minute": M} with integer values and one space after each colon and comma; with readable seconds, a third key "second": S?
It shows {"hour": 5, "minute": 47}
